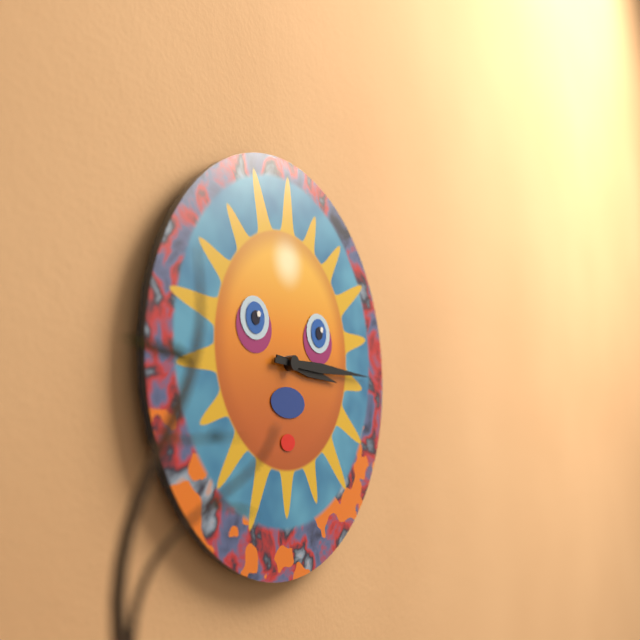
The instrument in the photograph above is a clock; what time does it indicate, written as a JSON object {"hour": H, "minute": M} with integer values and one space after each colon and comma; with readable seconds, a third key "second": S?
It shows {"hour": 3, "minute": 15}
